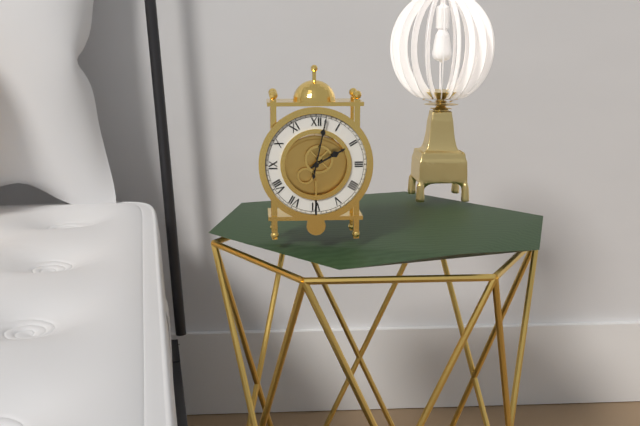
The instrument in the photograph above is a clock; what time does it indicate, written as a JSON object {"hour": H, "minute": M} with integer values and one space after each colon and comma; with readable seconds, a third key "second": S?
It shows {"hour": 2, "minute": 2}
